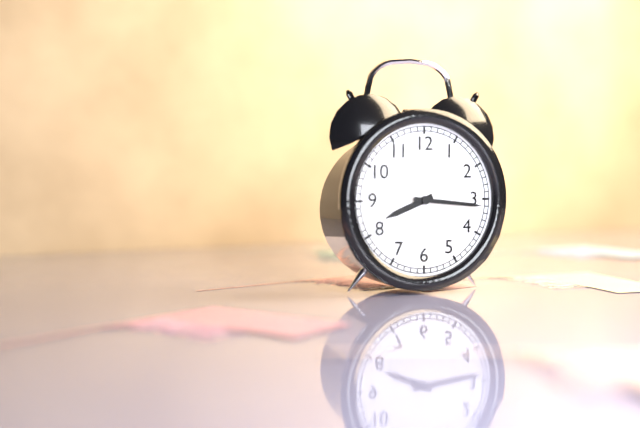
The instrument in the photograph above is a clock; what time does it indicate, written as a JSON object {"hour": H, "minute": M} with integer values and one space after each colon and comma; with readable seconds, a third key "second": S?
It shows {"hour": 8, "minute": 16}
